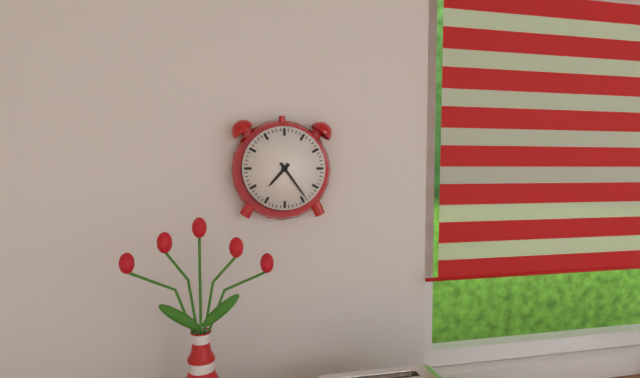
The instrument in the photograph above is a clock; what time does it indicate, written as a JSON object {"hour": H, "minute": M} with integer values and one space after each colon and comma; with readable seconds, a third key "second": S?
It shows {"hour": 7, "minute": 24}
